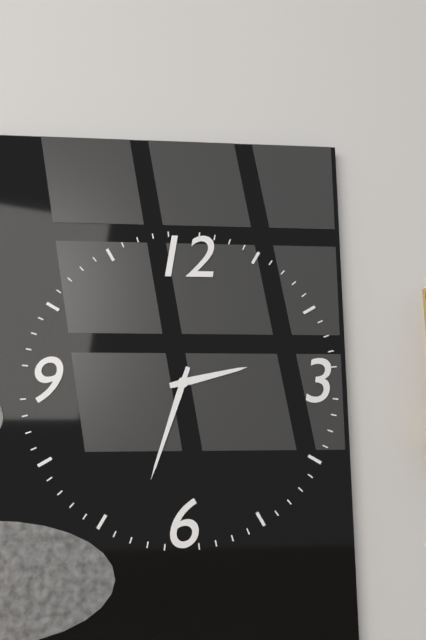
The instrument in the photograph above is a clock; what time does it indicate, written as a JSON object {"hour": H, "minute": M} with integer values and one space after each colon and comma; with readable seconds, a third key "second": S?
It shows {"hour": 2, "minute": 33}
